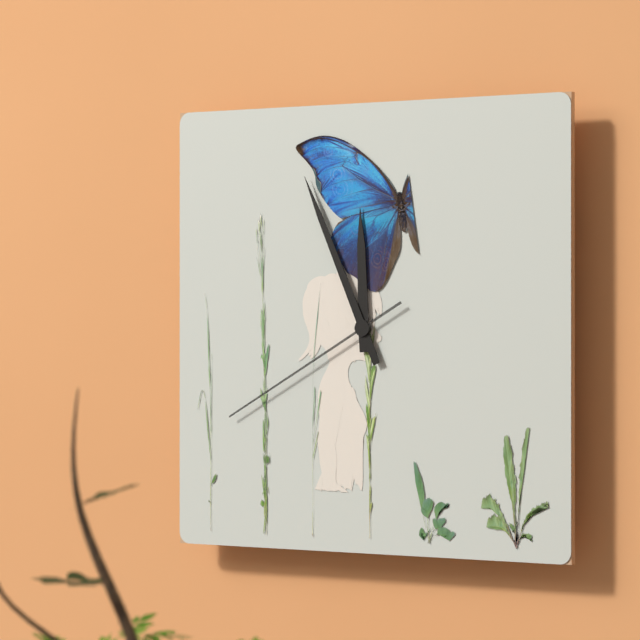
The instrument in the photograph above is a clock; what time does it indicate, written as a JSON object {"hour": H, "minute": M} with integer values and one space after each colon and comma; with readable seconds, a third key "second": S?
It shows {"hour": 11, "minute": 56, "second": 40}
